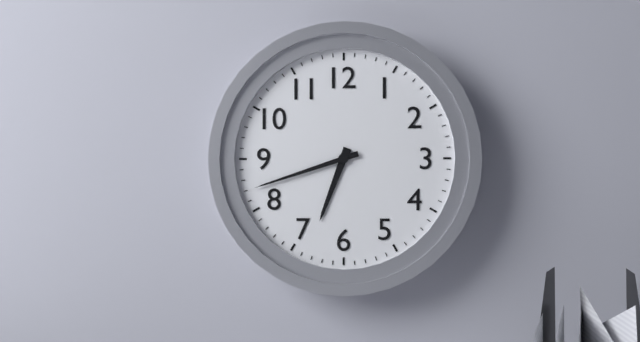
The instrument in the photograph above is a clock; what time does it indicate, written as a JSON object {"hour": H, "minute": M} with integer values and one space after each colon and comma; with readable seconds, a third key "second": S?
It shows {"hour": 6, "minute": 42}
